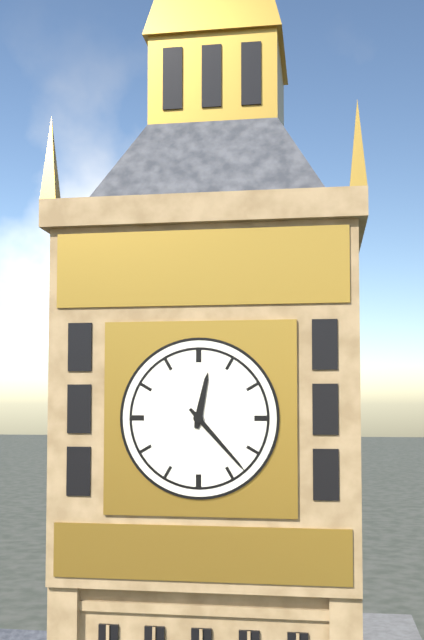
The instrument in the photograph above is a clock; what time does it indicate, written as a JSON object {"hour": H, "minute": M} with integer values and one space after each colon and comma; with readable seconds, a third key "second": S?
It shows {"hour": 12, "minute": 23}
